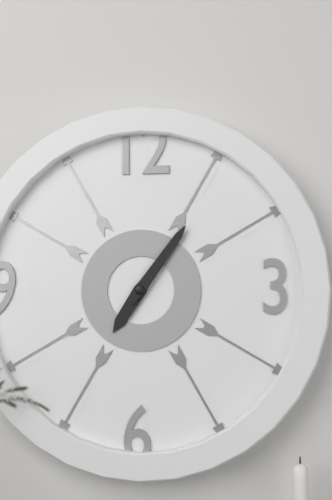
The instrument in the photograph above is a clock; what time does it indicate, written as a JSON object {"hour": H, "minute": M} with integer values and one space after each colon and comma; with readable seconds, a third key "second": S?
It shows {"hour": 7, "minute": 6}
